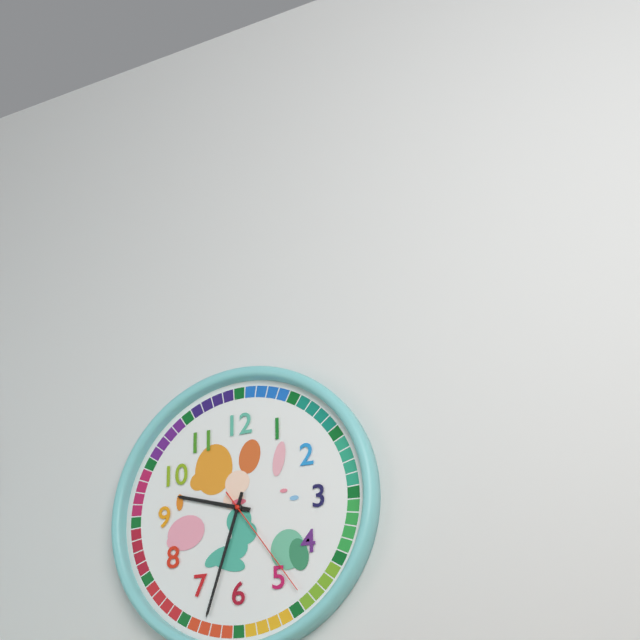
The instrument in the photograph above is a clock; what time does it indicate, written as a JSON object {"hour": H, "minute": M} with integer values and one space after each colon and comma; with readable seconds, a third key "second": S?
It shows {"hour": 9, "minute": 33, "second": 24}
